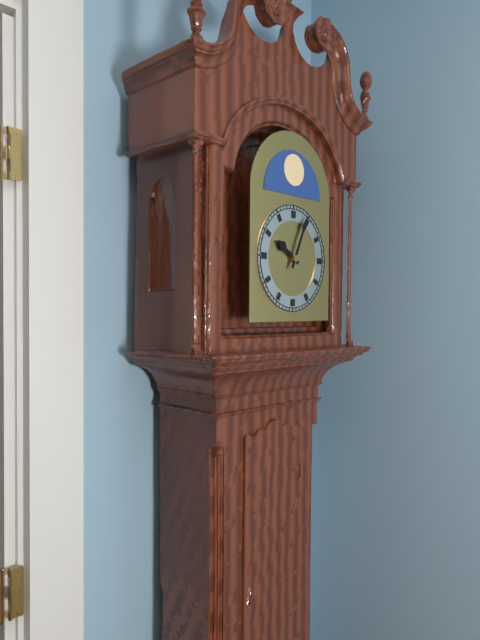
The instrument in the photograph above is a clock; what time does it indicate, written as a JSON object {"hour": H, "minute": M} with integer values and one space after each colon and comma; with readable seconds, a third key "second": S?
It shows {"hour": 10, "minute": 4}
